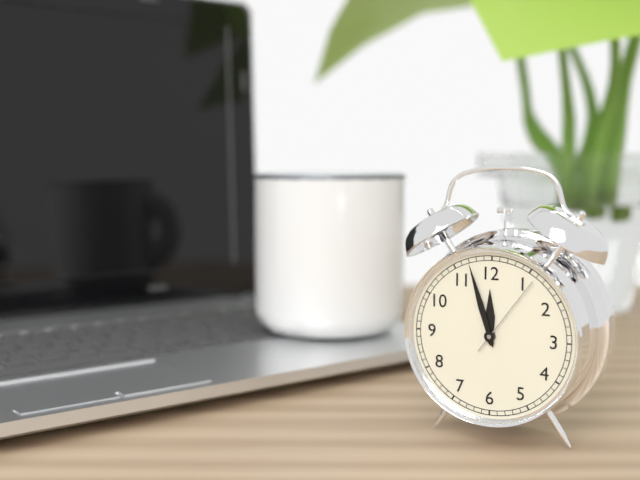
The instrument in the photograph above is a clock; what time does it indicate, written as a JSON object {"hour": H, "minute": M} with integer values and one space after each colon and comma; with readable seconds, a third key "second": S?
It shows {"hour": 11, "minute": 57, "second": 6}
